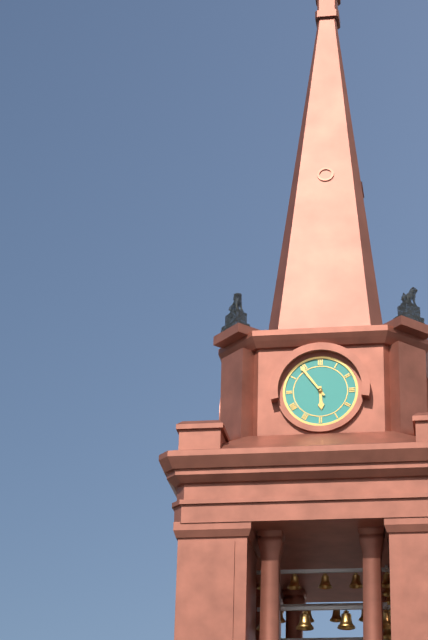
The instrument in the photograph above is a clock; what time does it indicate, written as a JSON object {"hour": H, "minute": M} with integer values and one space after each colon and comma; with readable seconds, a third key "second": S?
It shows {"hour": 5, "minute": 54}
